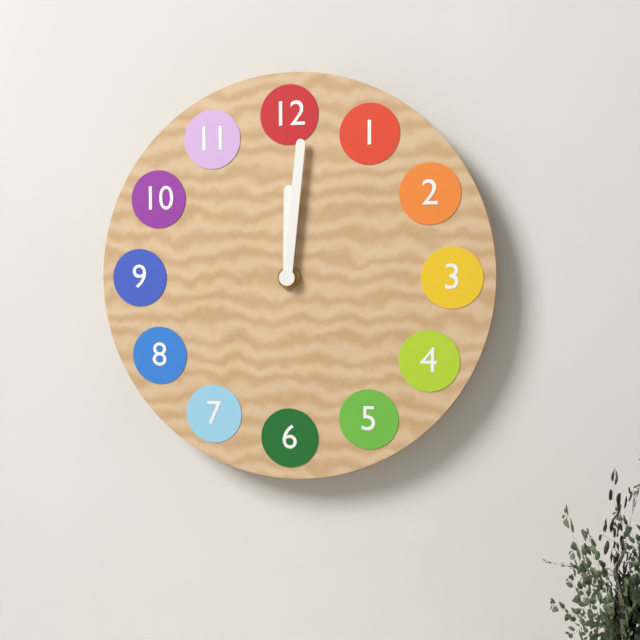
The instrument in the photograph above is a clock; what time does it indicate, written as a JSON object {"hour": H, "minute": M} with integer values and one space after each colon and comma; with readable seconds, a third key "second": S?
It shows {"hour": 12, "minute": 1}
